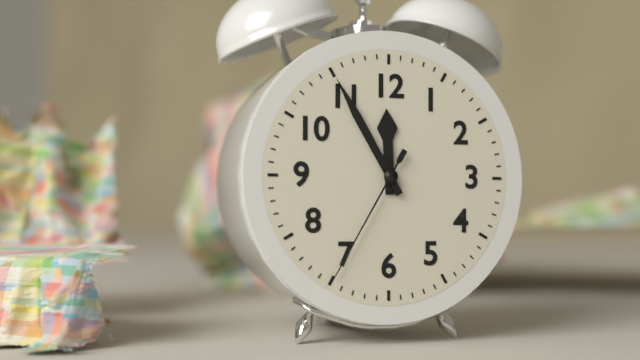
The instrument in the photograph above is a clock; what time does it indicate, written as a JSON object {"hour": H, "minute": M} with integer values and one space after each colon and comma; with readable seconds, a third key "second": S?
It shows {"hour": 11, "minute": 55, "second": 35}
